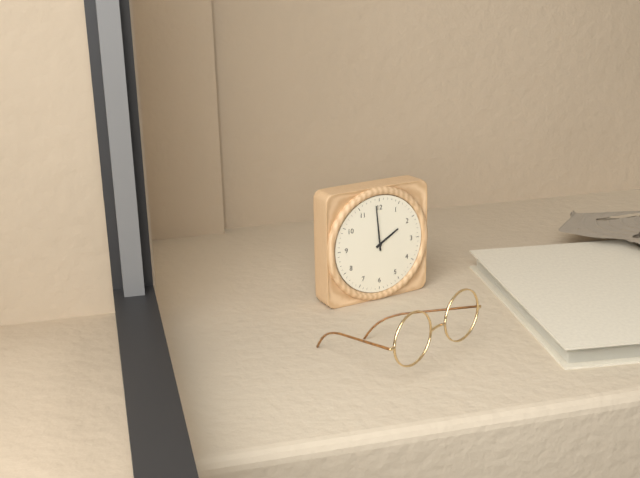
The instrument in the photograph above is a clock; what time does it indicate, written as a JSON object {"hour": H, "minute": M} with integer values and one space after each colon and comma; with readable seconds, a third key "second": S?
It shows {"hour": 1, "minute": 59}
